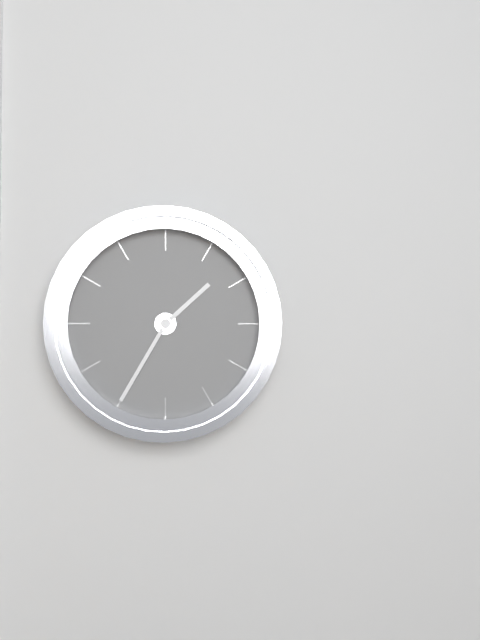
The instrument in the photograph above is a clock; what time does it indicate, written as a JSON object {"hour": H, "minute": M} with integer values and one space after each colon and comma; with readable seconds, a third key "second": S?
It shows {"hour": 1, "minute": 35}
